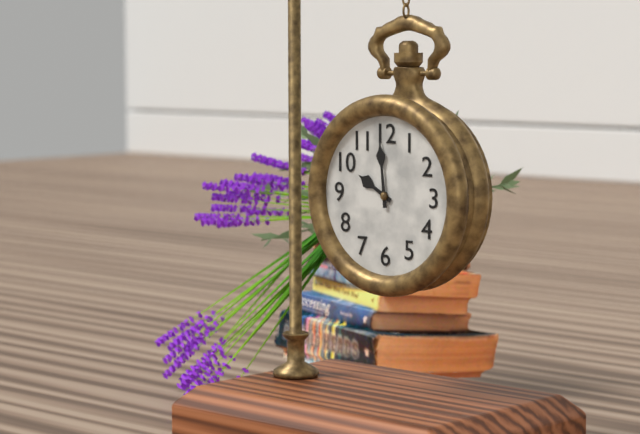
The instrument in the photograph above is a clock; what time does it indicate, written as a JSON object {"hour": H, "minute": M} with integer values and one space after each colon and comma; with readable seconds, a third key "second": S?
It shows {"hour": 9, "minute": 59}
